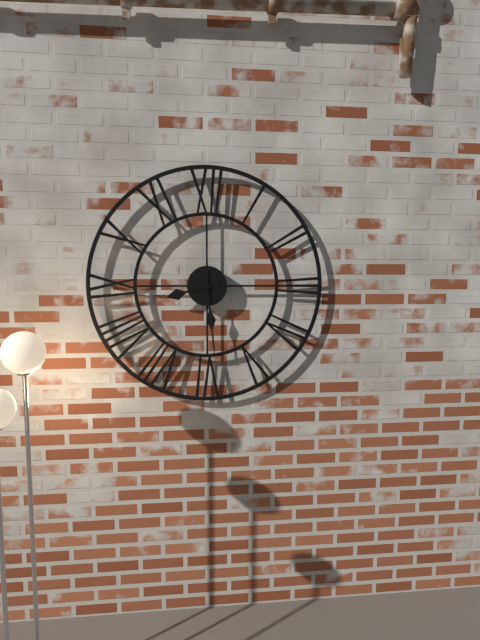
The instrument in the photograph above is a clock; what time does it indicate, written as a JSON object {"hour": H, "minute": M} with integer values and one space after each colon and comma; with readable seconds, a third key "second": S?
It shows {"hour": 8, "minute": 29}
